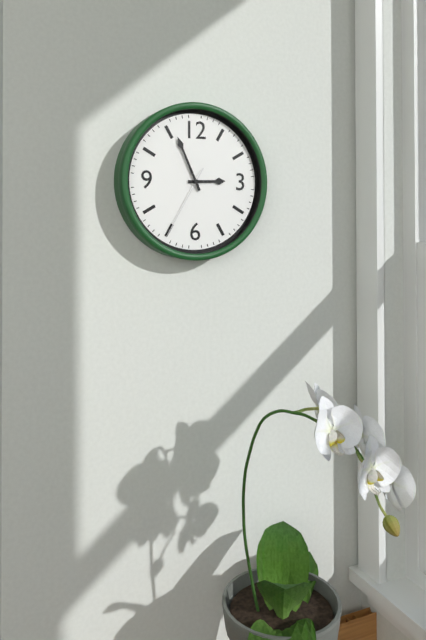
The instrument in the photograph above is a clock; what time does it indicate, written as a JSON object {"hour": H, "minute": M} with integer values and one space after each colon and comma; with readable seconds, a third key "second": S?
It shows {"hour": 2, "minute": 56, "second": 35}
